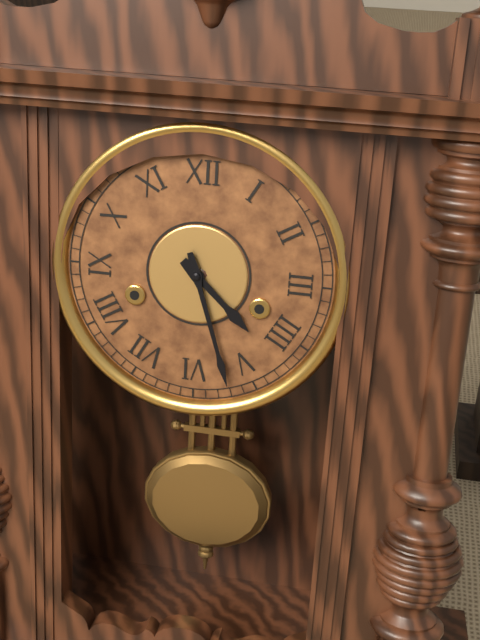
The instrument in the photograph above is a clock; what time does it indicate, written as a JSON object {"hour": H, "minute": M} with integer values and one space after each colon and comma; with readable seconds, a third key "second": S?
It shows {"hour": 4, "minute": 27}
